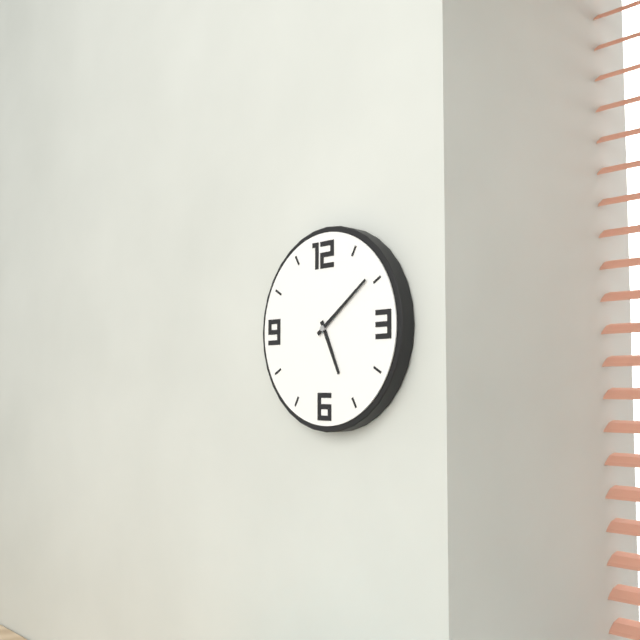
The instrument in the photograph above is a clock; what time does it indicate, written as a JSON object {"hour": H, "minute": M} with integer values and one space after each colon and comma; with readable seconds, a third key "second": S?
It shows {"hour": 5, "minute": 9}
